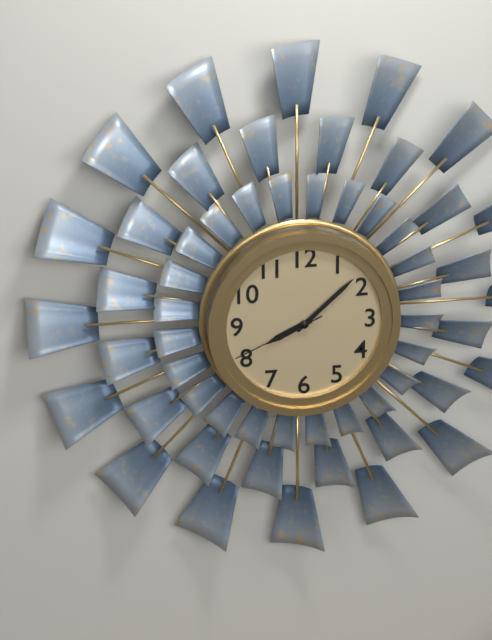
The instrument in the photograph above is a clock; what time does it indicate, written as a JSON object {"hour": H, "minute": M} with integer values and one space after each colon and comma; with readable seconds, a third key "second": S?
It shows {"hour": 8, "minute": 8, "second": 41}
